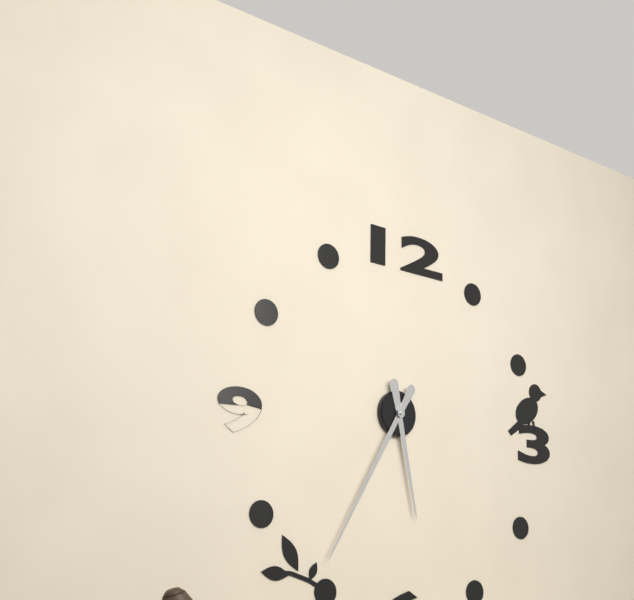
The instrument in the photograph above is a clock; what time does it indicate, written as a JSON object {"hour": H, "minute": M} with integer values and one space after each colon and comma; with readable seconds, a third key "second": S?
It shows {"hour": 5, "minute": 35}
